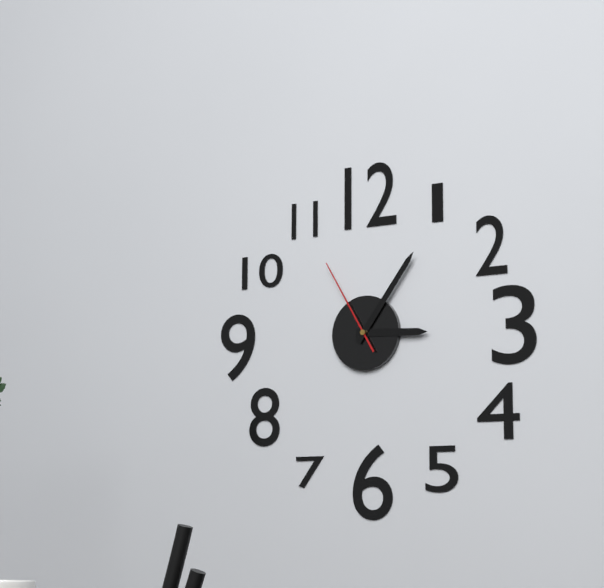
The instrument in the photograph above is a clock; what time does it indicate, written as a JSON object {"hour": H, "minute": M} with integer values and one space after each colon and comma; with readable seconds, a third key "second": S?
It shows {"hour": 3, "minute": 6, "second": 55}
